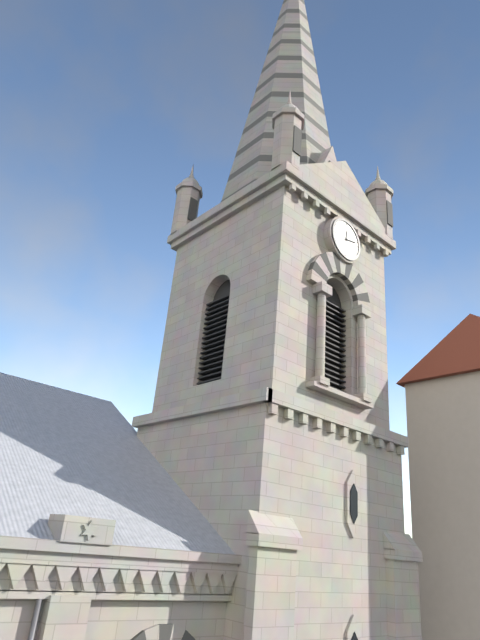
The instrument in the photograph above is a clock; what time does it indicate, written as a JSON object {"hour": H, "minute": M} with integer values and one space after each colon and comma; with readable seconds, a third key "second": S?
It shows {"hour": 12, "minute": 13}
